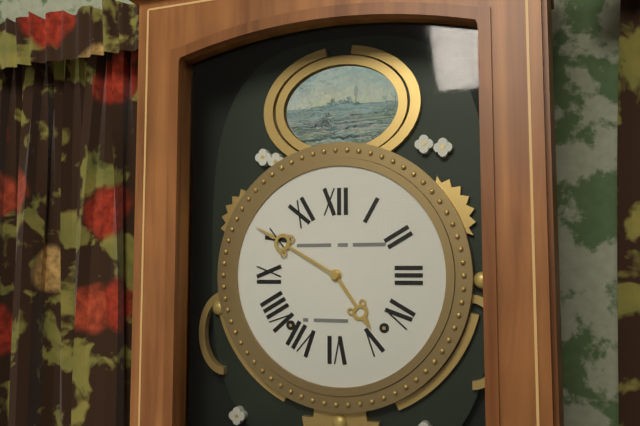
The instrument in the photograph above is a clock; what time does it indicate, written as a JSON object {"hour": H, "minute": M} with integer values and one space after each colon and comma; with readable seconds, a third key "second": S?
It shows {"hour": 4, "minute": 50}
